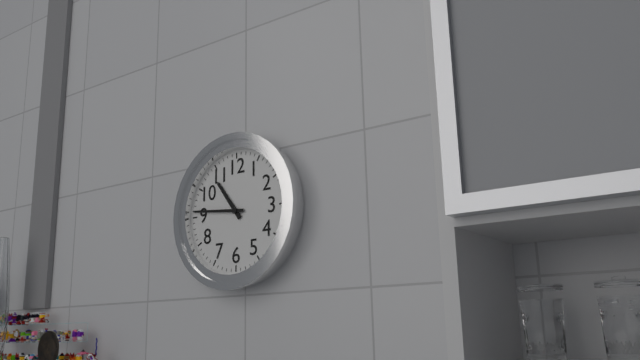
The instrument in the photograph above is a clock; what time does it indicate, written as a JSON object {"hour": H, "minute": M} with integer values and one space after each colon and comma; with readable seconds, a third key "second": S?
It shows {"hour": 10, "minute": 46}
